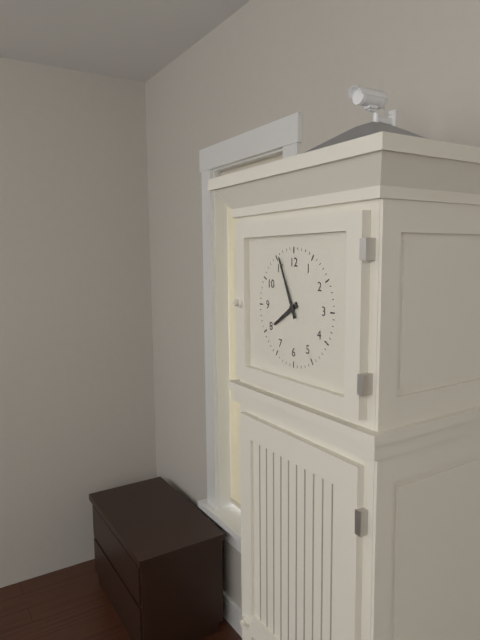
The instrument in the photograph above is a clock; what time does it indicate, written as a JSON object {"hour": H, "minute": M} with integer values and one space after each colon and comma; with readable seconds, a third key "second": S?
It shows {"hour": 7, "minute": 56}
